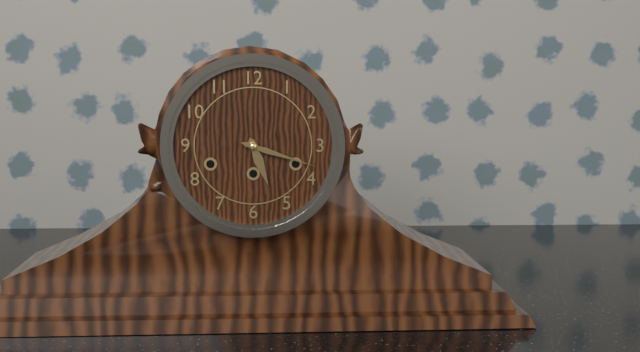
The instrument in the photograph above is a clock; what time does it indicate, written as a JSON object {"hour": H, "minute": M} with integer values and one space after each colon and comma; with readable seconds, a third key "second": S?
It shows {"hour": 5, "minute": 18}
